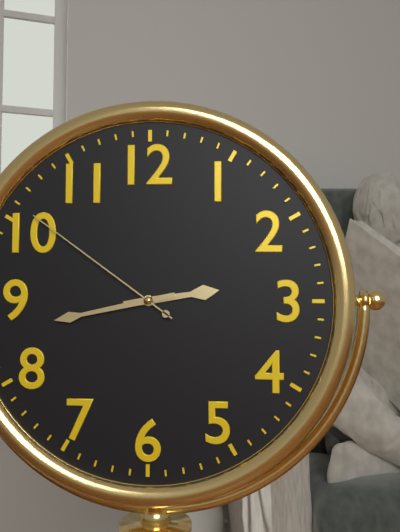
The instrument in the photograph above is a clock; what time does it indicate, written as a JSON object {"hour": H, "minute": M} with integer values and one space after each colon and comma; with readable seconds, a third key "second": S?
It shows {"hour": 2, "minute": 43, "second": 51}
